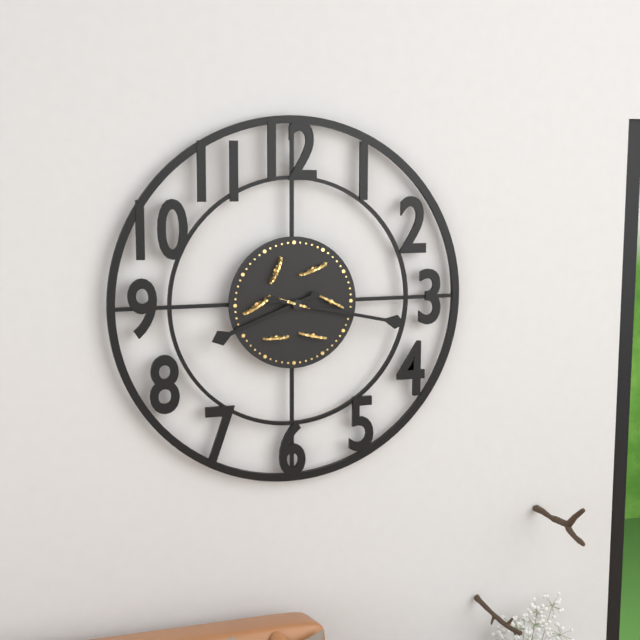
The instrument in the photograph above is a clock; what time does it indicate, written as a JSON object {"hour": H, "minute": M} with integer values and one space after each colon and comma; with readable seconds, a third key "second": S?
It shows {"hour": 8, "minute": 17}
